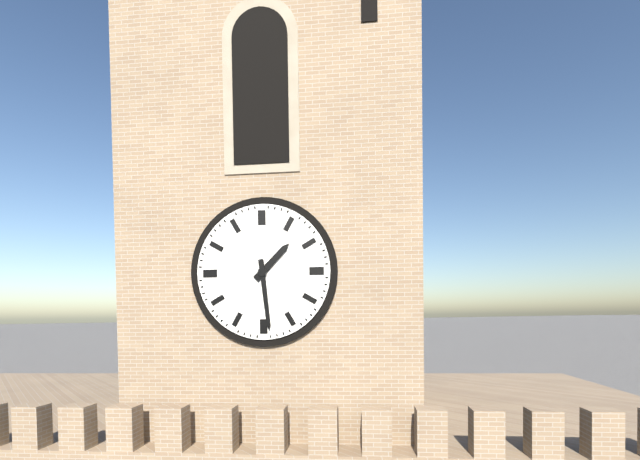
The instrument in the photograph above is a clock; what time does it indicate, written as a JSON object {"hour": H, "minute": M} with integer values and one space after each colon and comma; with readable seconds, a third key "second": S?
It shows {"hour": 1, "minute": 29}
